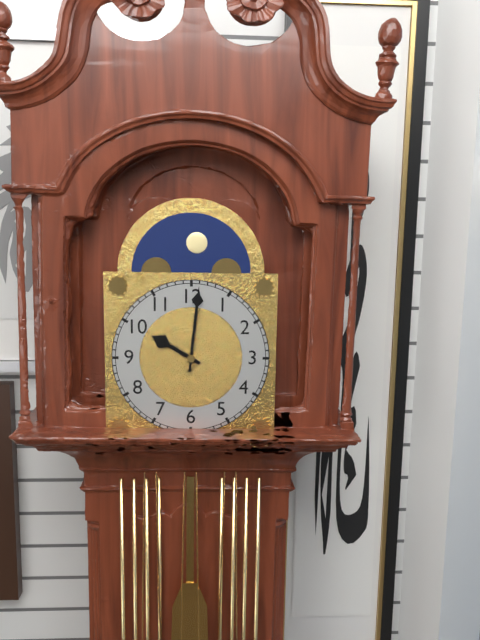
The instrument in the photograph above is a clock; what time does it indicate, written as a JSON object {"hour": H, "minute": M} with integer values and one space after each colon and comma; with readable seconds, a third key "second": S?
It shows {"hour": 10, "minute": 1}
